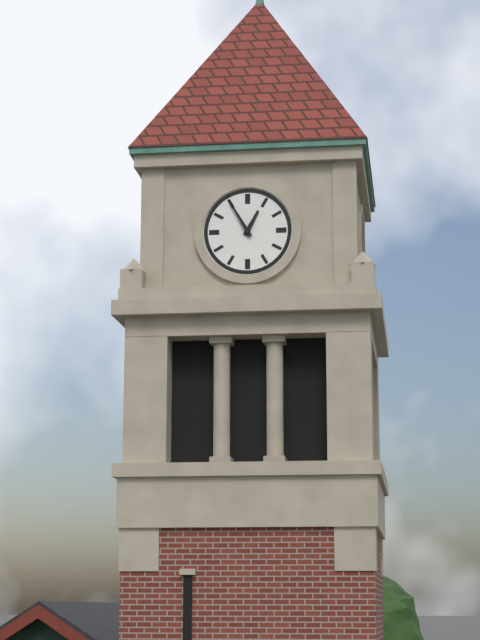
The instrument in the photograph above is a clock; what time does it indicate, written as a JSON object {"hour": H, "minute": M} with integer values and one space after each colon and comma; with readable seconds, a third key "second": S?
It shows {"hour": 12, "minute": 55}
